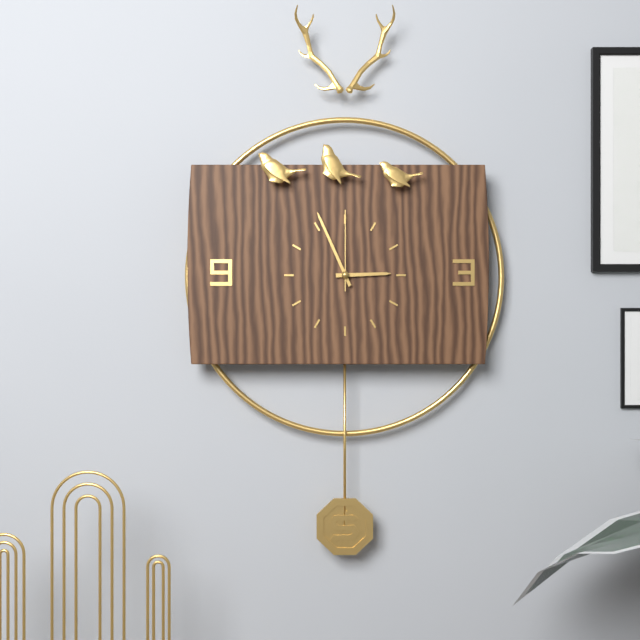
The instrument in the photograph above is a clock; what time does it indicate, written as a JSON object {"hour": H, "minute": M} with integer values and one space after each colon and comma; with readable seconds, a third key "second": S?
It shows {"hour": 2, "minute": 56, "second": 0}
